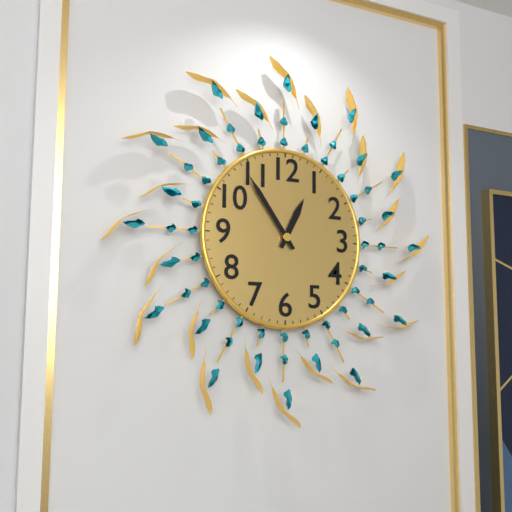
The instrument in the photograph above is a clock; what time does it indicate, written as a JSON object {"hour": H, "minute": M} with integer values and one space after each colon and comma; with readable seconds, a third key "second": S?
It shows {"hour": 12, "minute": 54}
